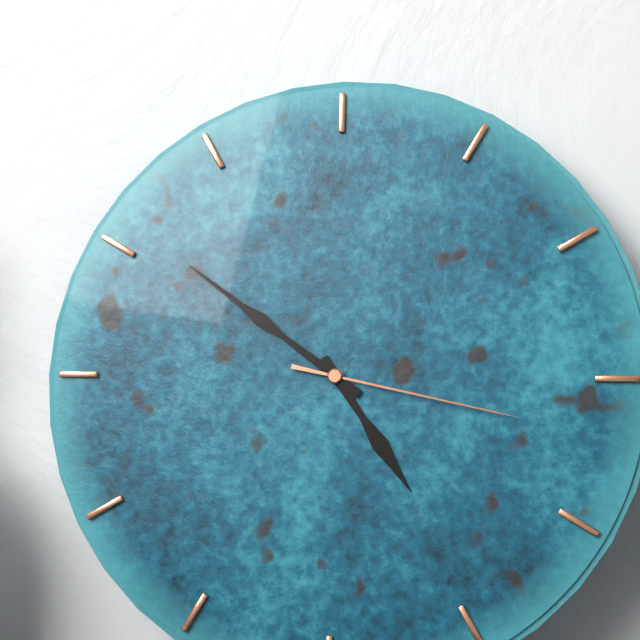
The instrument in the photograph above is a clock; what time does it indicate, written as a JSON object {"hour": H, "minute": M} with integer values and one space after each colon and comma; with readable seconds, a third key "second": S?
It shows {"hour": 4, "minute": 51, "second": 17}
